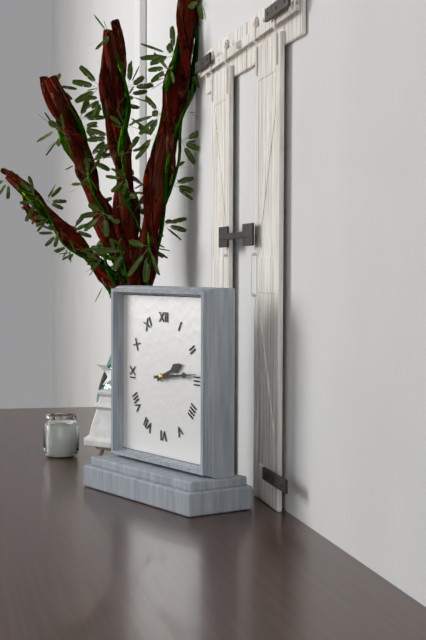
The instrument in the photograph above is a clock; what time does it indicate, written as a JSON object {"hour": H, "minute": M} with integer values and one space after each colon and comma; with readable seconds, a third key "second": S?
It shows {"hour": 2, "minute": 14}
